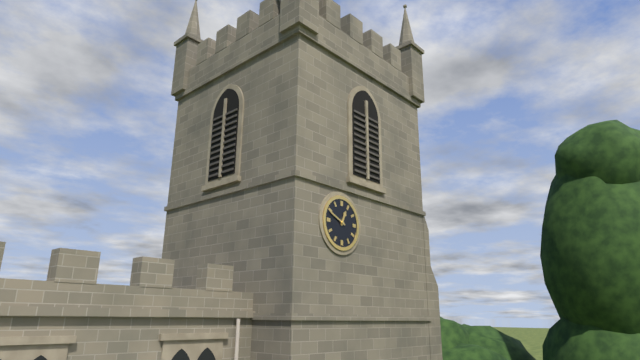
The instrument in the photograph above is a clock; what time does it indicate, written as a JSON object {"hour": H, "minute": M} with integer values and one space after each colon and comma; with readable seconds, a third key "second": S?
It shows {"hour": 12, "minute": 49}
